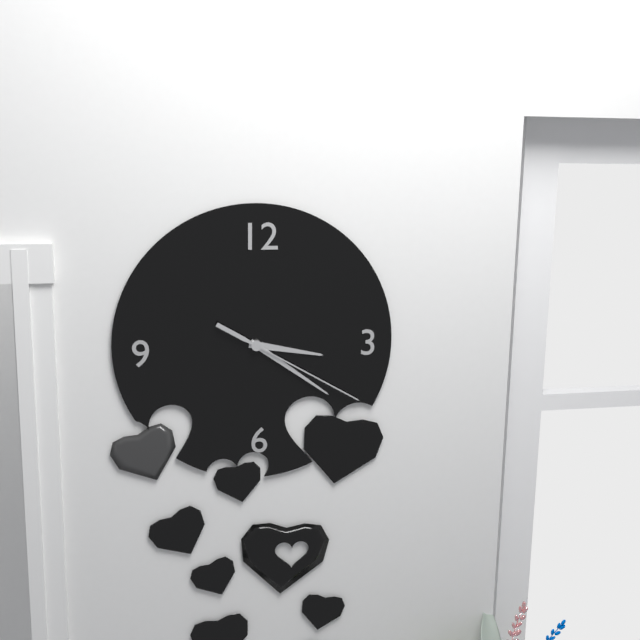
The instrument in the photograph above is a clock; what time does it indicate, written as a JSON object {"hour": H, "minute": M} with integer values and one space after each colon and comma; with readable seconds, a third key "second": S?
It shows {"hour": 3, "minute": 21, "second": 20}
